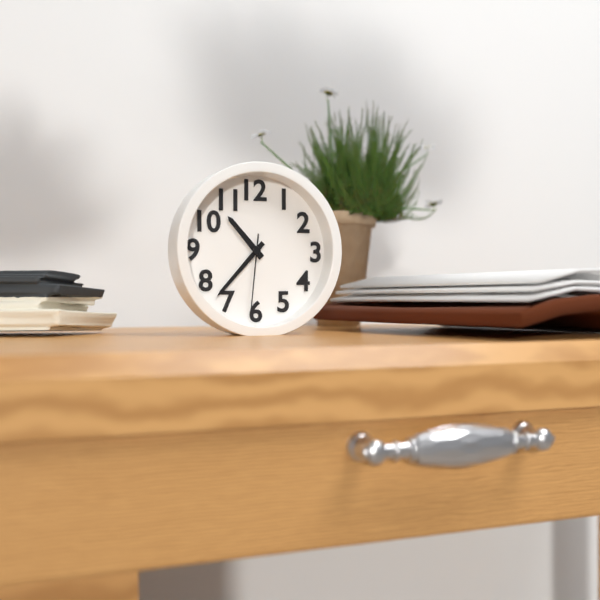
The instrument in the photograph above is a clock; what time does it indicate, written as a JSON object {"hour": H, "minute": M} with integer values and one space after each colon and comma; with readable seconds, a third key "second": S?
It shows {"hour": 10, "minute": 37, "second": 31}
